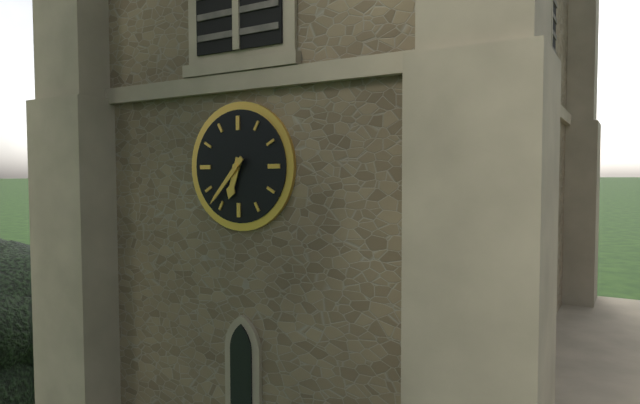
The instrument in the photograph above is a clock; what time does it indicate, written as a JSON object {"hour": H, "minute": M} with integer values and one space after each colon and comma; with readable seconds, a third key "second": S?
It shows {"hour": 6, "minute": 37}
